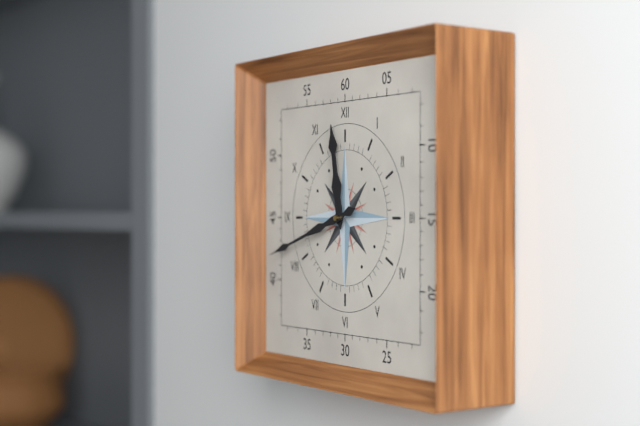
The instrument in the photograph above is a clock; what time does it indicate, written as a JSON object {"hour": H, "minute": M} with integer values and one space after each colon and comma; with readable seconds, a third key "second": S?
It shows {"hour": 11, "minute": 42}
